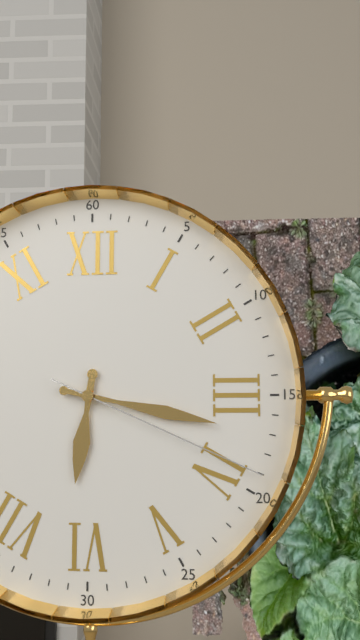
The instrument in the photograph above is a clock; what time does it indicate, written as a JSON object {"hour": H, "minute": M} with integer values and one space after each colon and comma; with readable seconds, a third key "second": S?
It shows {"hour": 6, "minute": 17, "second": 19}
